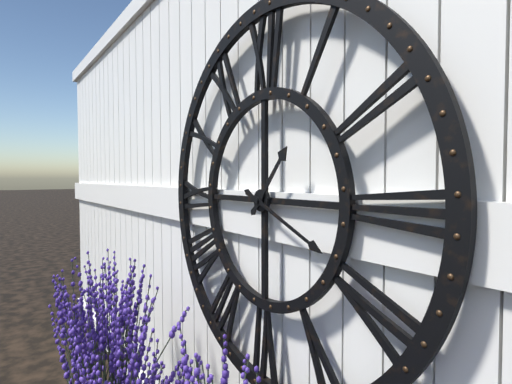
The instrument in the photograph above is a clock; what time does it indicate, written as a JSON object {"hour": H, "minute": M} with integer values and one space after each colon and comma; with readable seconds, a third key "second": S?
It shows {"hour": 1, "minute": 19}
